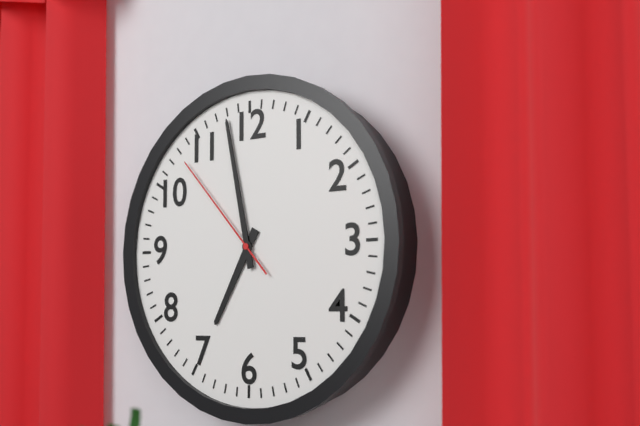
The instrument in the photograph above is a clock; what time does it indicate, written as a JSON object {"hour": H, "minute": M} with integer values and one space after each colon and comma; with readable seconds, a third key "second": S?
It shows {"hour": 6, "minute": 58, "second": 53}
